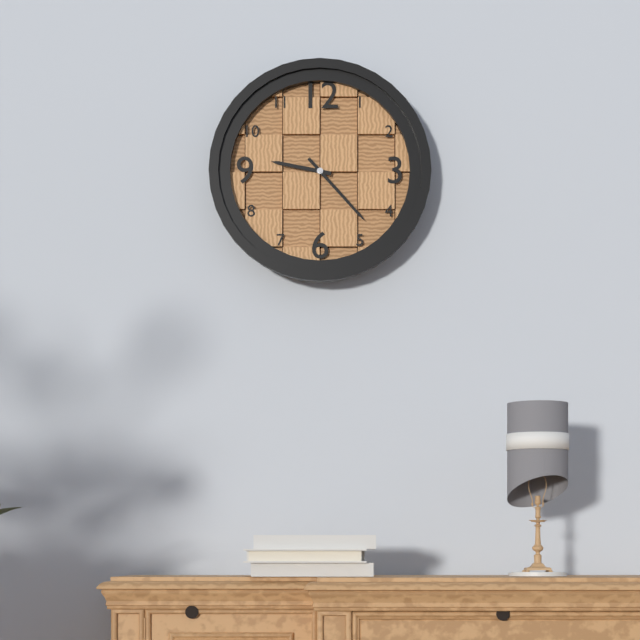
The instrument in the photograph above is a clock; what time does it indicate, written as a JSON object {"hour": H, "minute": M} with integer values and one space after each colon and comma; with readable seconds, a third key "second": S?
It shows {"hour": 9, "minute": 23}
